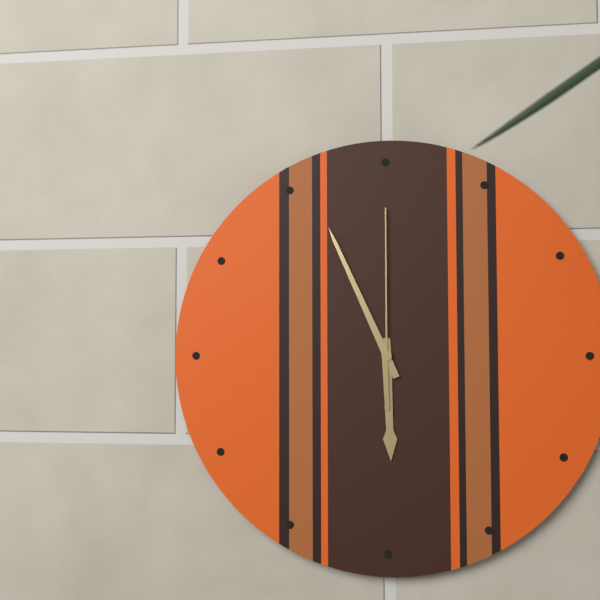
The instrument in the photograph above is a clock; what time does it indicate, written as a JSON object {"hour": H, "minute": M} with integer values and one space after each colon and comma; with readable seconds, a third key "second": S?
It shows {"hour": 5, "minute": 56, "second": 0}
